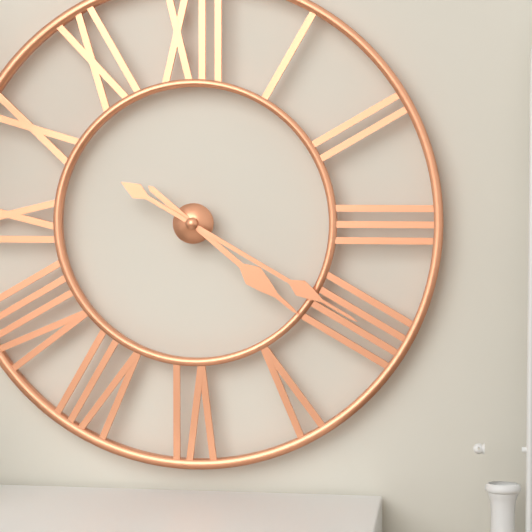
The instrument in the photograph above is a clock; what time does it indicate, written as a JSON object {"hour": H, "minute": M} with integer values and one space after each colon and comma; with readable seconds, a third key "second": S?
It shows {"hour": 4, "minute": 20}
